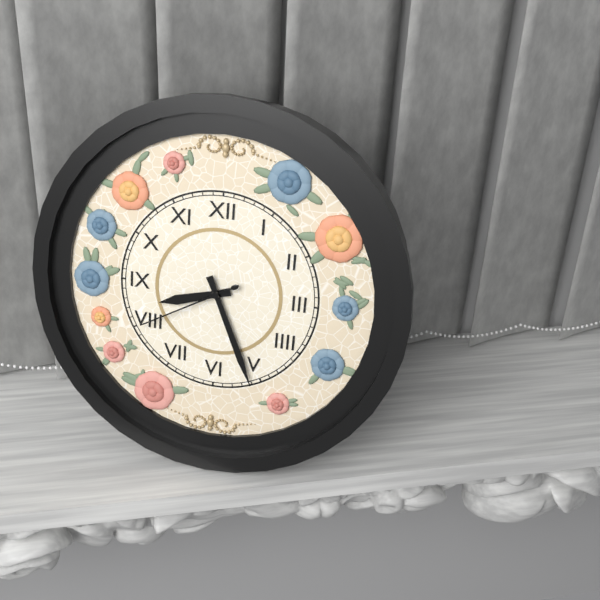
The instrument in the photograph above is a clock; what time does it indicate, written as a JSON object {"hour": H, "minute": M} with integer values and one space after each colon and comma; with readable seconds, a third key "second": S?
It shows {"hour": 8, "minute": 26, "second": 40}
